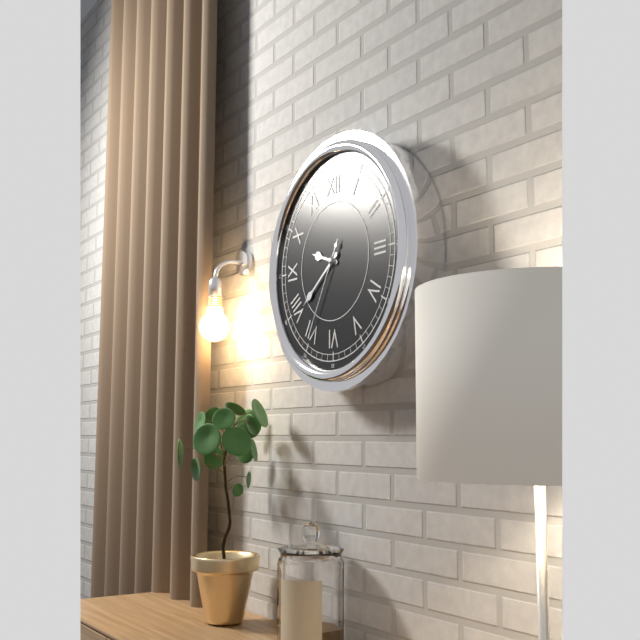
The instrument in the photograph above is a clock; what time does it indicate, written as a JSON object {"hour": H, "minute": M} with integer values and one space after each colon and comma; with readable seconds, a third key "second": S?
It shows {"hour": 9, "minute": 39, "second": 35}
